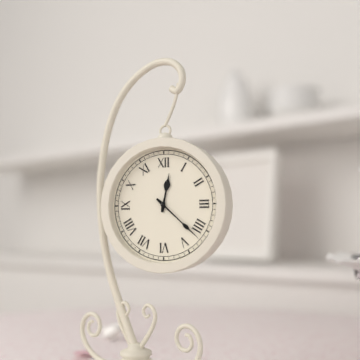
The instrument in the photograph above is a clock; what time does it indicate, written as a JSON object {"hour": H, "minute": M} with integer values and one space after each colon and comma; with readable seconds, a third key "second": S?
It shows {"hour": 12, "minute": 22}
